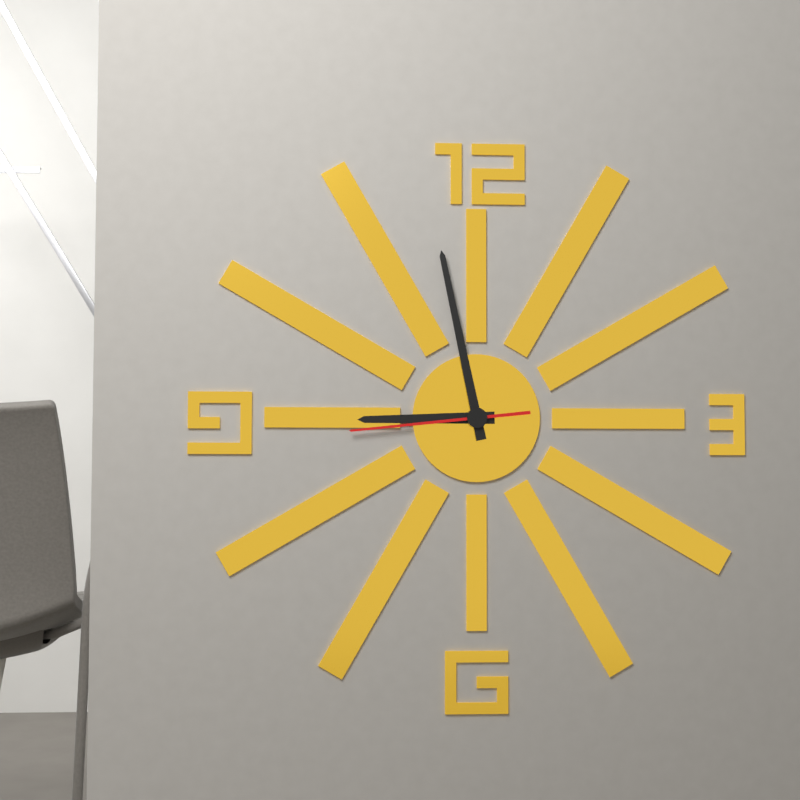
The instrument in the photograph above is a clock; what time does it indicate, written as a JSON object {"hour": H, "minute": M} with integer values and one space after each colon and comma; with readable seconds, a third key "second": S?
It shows {"hour": 8, "minute": 58, "second": 44}
